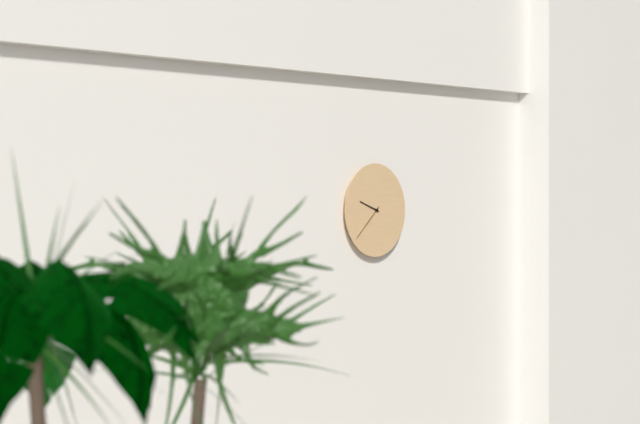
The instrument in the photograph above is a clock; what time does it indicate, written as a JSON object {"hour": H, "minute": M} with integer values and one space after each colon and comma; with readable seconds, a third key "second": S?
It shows {"hour": 9, "minute": 38}
